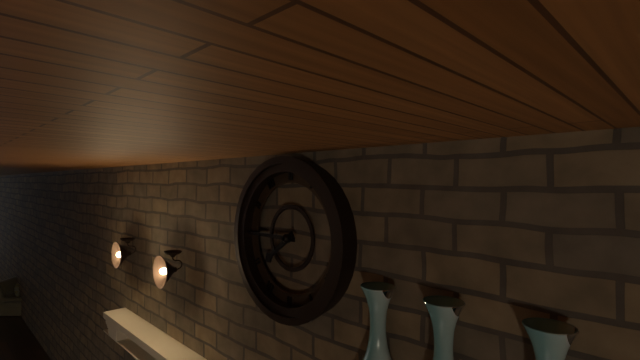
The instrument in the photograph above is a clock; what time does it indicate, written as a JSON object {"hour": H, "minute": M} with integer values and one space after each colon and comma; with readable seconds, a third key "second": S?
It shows {"hour": 7, "minute": 45}
